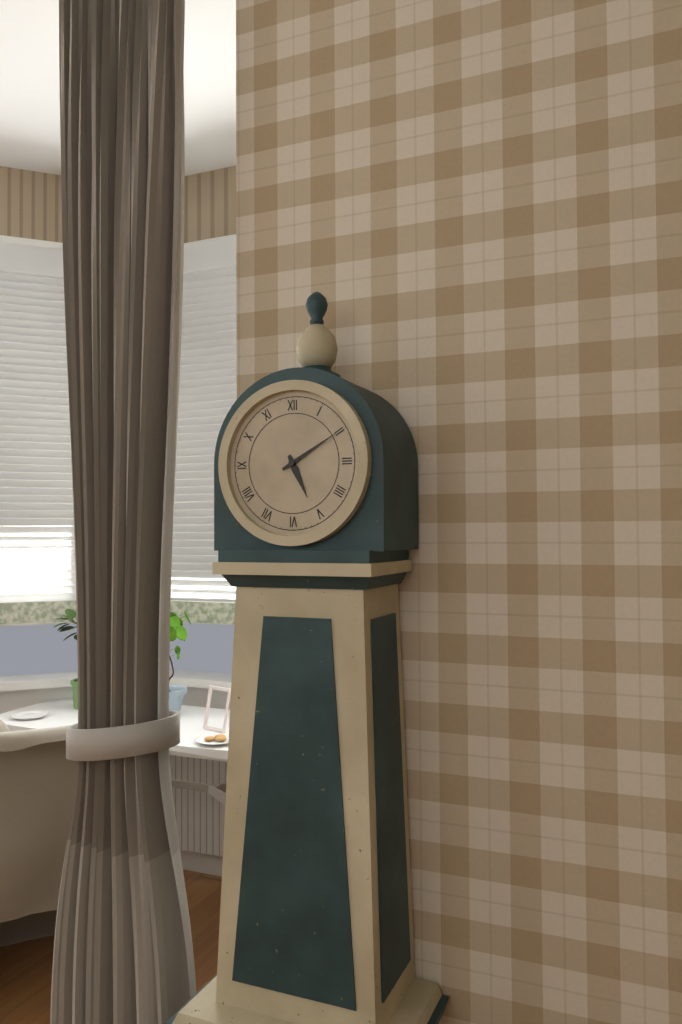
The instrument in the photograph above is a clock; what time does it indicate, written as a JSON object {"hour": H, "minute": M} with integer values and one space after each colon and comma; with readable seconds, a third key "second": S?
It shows {"hour": 5, "minute": 10}
